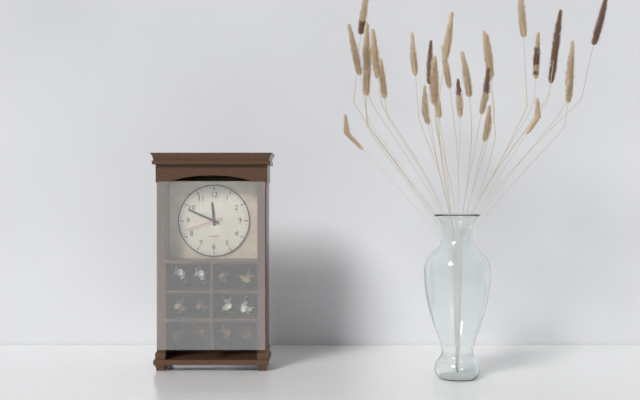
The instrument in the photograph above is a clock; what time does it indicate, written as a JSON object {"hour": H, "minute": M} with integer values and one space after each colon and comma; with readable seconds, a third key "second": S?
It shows {"hour": 11, "minute": 49}
